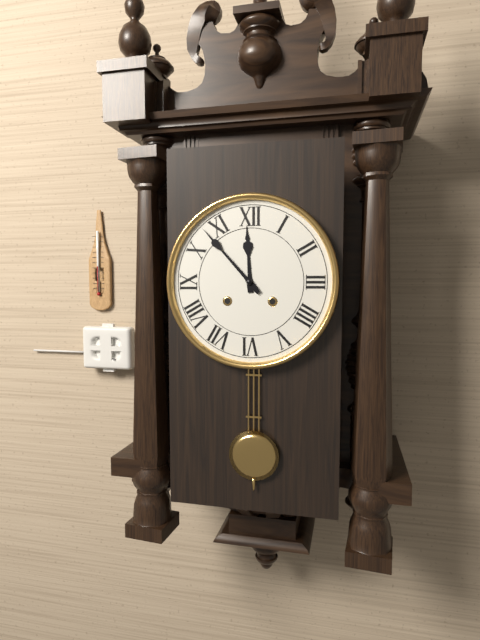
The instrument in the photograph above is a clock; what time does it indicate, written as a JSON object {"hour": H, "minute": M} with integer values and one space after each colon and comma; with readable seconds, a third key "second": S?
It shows {"hour": 11, "minute": 53}
